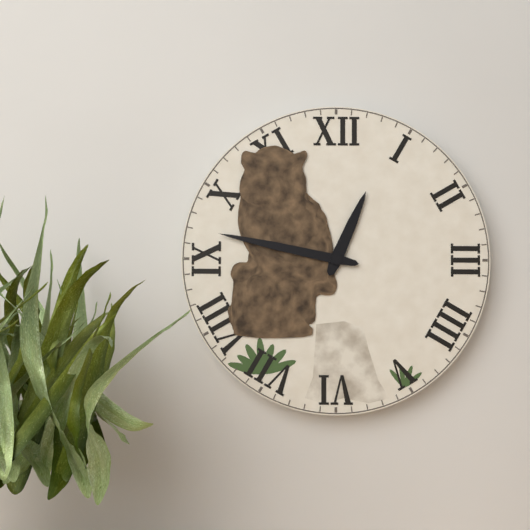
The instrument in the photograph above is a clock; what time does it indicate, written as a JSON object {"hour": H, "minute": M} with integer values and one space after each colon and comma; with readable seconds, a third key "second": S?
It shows {"hour": 12, "minute": 47}
